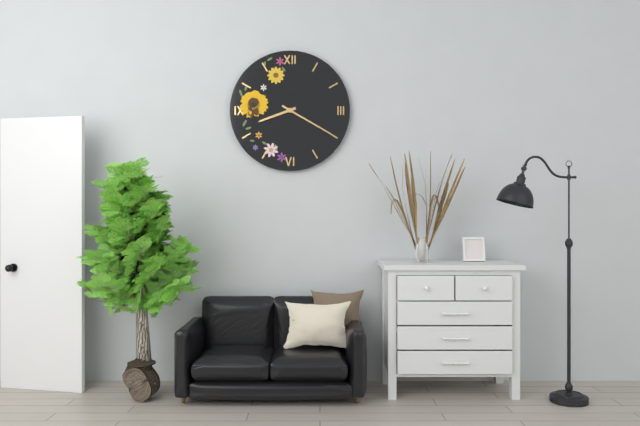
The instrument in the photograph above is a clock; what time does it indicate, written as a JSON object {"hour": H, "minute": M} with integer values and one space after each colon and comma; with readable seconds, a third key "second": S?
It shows {"hour": 8, "minute": 20}
